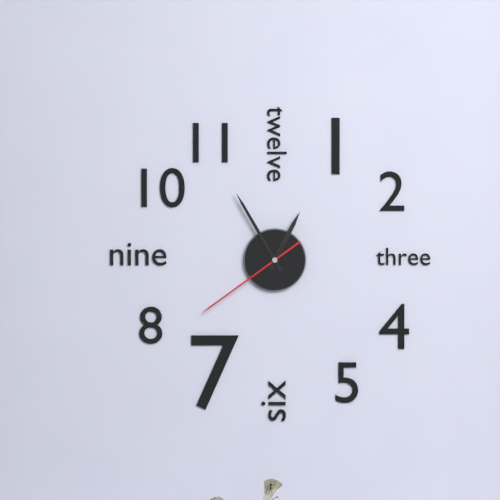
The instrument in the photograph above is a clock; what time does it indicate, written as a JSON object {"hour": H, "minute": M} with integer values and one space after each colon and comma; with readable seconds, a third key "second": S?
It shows {"hour": 12, "minute": 55, "second": 39}
